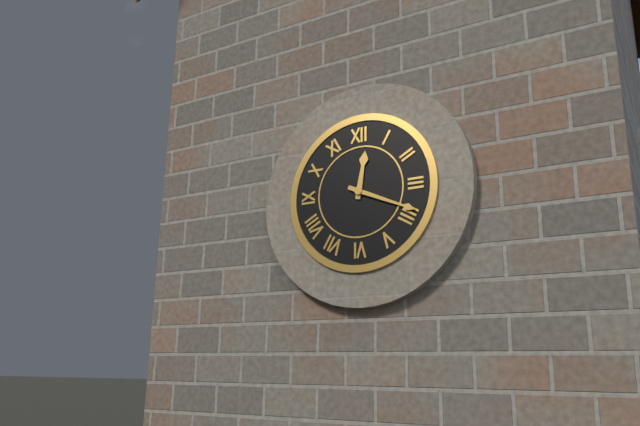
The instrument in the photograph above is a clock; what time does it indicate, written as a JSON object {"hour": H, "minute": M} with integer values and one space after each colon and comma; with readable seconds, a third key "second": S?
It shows {"hour": 12, "minute": 19}
